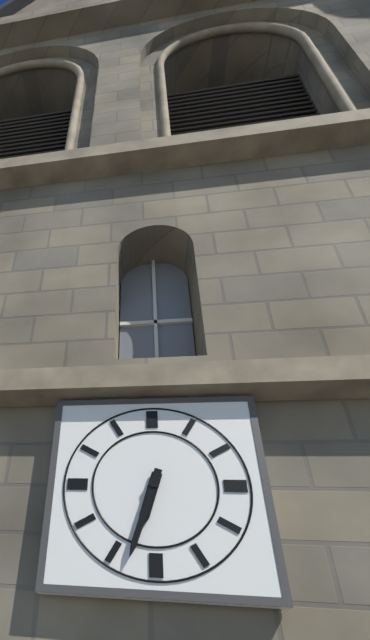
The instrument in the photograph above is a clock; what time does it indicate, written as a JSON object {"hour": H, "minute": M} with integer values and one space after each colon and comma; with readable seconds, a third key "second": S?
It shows {"hour": 6, "minute": 33}
